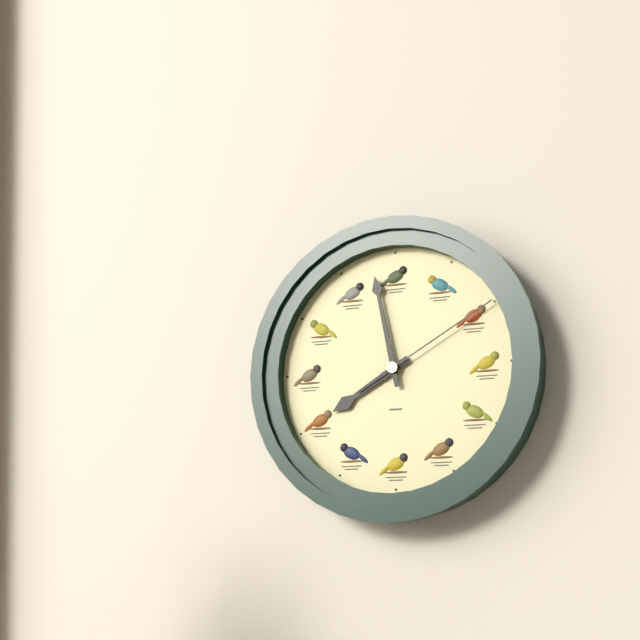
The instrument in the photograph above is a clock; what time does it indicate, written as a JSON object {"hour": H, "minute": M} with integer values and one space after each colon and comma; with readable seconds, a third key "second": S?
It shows {"hour": 7, "minute": 58, "second": 10}
